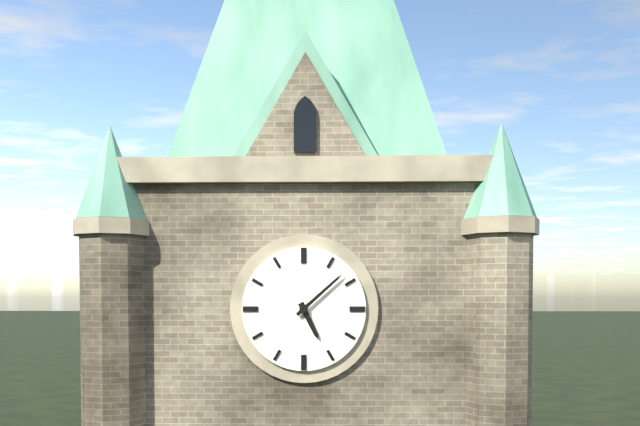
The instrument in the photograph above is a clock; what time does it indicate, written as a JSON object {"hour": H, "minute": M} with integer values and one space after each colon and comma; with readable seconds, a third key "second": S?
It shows {"hour": 5, "minute": 8}
